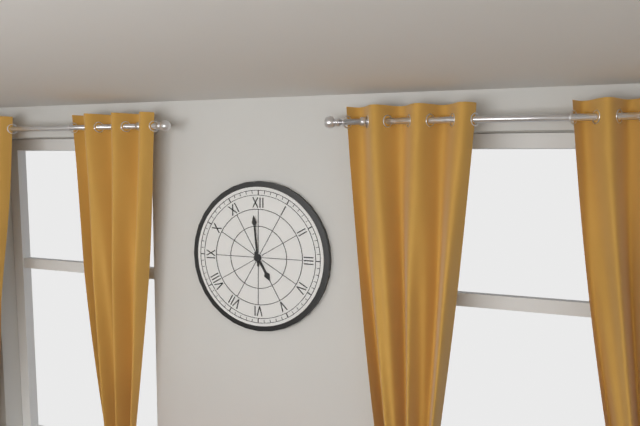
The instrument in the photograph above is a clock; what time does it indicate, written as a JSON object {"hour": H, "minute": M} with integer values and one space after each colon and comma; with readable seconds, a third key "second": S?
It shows {"hour": 4, "minute": 59}
